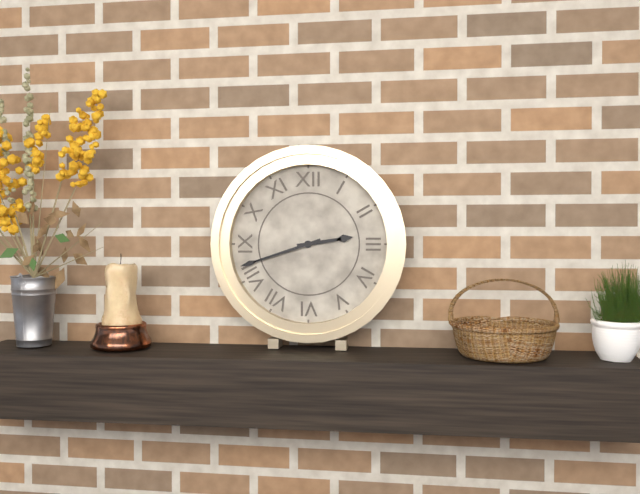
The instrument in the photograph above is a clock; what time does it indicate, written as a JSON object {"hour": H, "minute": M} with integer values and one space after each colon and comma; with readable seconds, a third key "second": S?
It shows {"hour": 2, "minute": 42}
